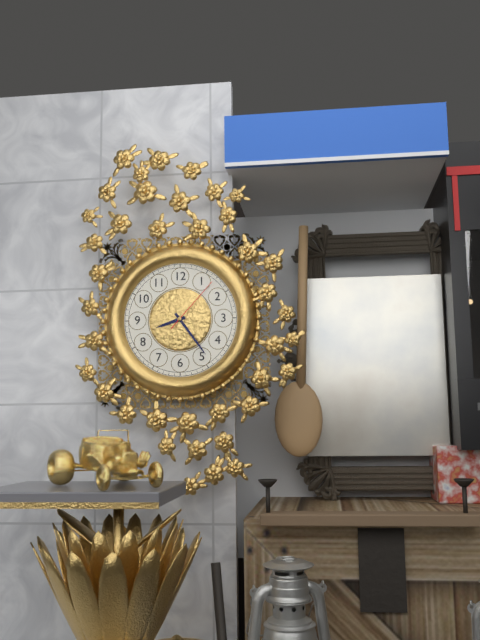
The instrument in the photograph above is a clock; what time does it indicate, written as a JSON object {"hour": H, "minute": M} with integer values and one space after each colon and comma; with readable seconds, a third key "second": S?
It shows {"hour": 8, "minute": 24, "second": 7}
